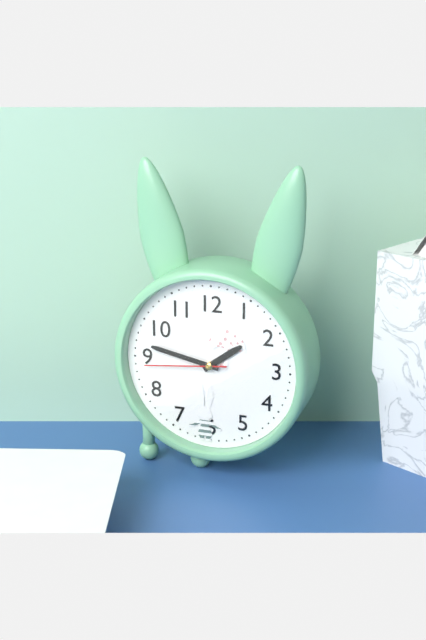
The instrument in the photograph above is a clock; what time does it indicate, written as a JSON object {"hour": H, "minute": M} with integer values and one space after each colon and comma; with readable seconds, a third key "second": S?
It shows {"hour": 1, "minute": 47, "second": 44}
